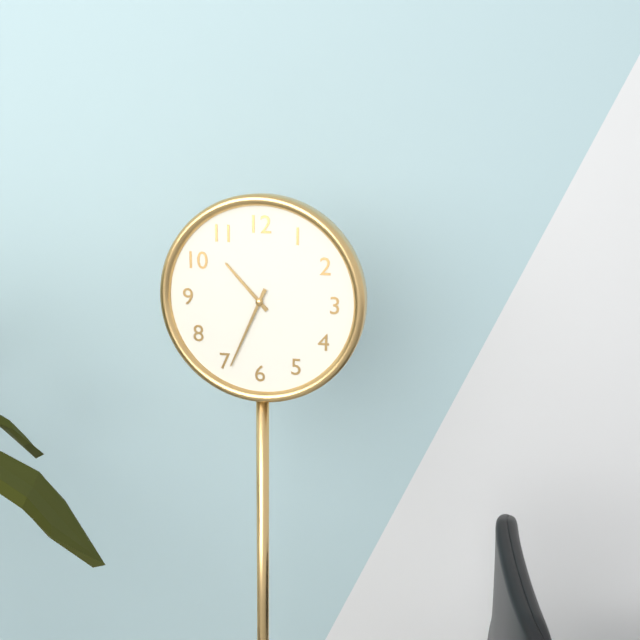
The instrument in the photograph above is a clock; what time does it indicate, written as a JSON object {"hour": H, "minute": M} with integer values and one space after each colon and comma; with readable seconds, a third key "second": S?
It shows {"hour": 10, "minute": 34}
